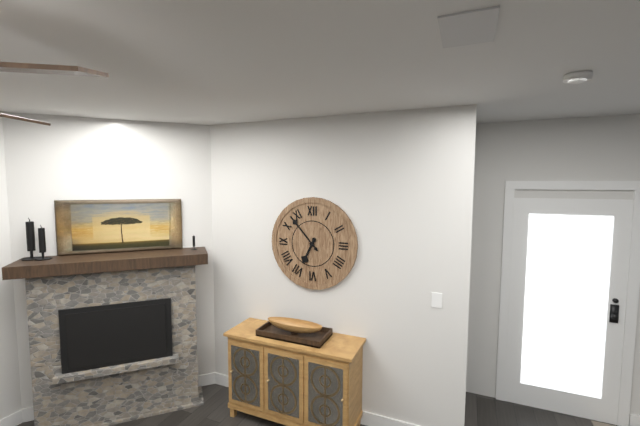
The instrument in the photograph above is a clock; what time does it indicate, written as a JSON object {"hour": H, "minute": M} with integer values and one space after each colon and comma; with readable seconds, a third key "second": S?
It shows {"hour": 6, "minute": 53}
